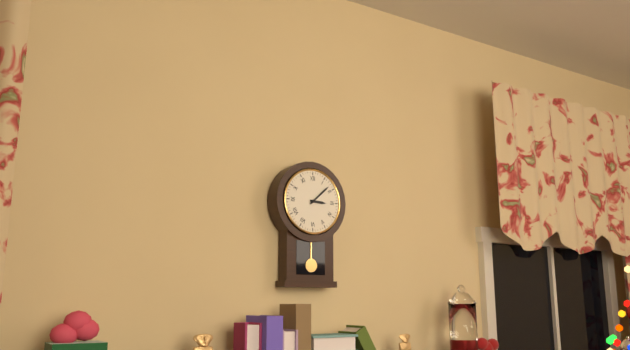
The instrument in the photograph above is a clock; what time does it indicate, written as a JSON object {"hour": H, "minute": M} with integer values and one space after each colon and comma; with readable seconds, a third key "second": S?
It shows {"hour": 3, "minute": 8}
